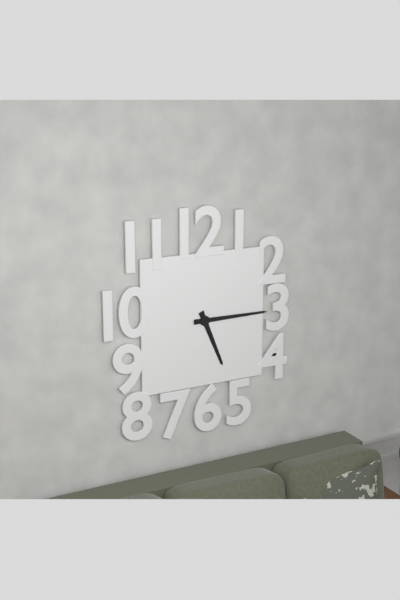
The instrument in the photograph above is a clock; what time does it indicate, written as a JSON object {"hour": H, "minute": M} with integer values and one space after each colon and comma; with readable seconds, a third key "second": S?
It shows {"hour": 5, "minute": 15}
